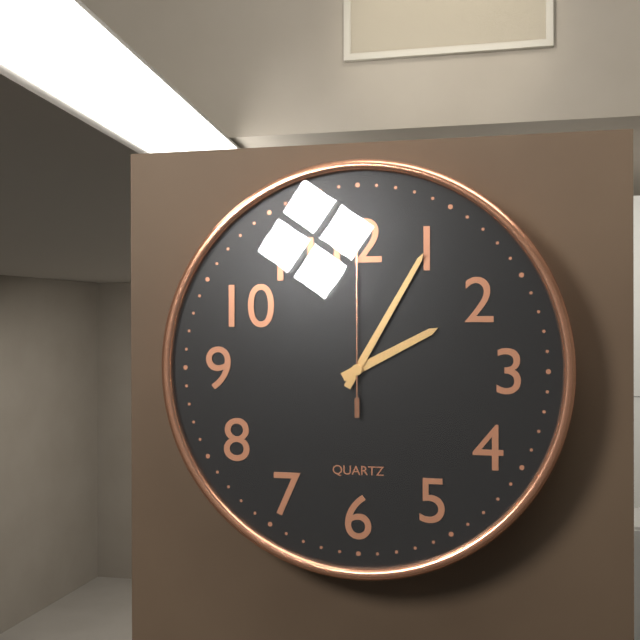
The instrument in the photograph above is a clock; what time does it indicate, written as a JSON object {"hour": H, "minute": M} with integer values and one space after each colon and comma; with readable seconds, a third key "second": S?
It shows {"hour": 2, "minute": 5, "second": 0}
